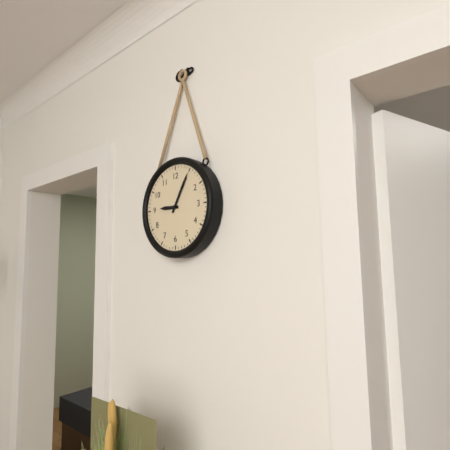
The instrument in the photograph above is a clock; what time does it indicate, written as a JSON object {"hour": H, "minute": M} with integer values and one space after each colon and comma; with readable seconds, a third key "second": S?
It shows {"hour": 9, "minute": 5}
